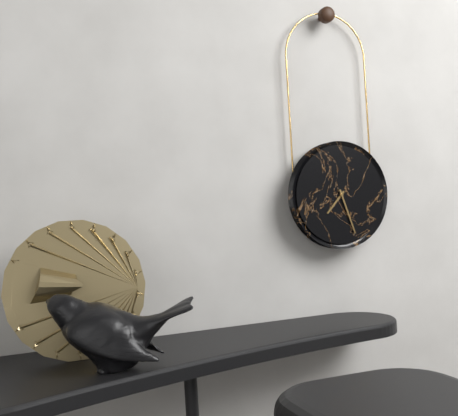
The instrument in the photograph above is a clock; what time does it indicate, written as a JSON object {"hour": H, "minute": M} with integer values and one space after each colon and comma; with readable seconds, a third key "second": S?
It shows {"hour": 7, "minute": 27}
